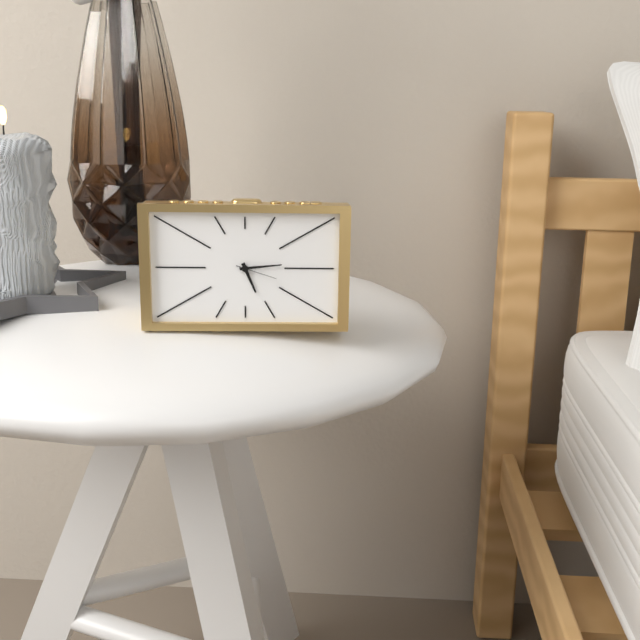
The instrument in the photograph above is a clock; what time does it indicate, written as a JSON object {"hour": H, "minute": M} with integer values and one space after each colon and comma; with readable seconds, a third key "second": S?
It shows {"hour": 5, "minute": 14}
